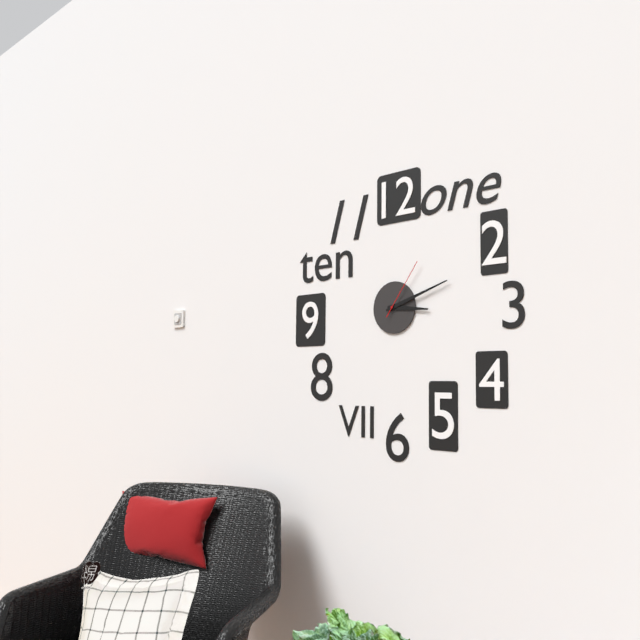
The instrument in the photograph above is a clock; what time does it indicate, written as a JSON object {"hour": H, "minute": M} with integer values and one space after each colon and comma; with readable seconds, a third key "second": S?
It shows {"hour": 3, "minute": 12, "second": 6}
